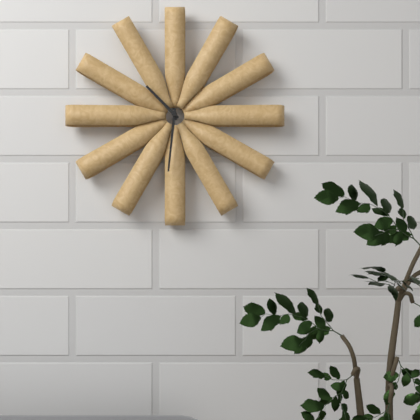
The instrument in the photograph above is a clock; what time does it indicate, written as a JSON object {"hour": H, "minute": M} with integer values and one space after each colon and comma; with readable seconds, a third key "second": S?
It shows {"hour": 10, "minute": 31}
